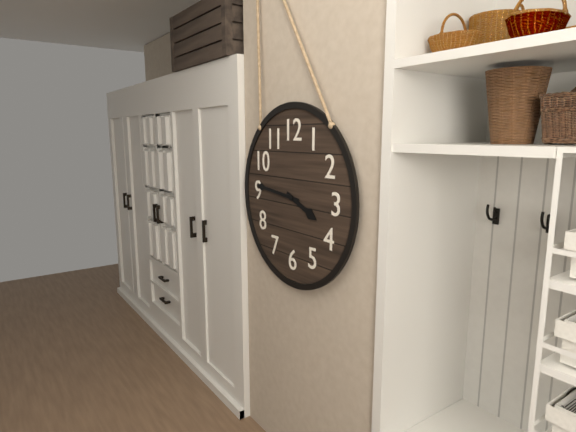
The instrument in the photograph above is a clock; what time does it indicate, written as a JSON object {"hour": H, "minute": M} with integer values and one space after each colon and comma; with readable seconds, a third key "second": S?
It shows {"hour": 3, "minute": 46}
